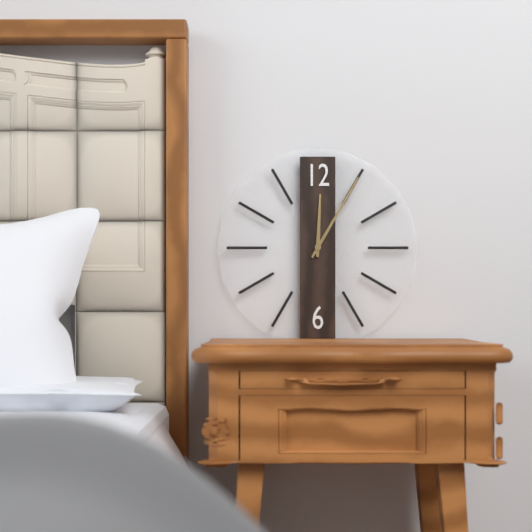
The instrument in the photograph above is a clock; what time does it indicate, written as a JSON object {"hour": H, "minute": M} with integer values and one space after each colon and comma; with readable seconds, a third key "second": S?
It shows {"hour": 12, "minute": 5}
